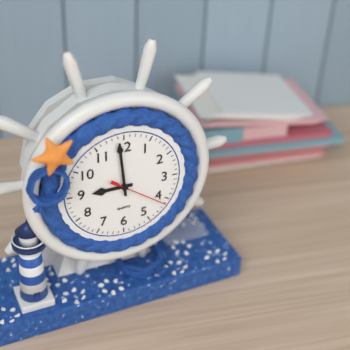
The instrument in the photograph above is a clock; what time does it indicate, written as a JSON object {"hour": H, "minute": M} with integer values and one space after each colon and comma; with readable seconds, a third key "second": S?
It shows {"hour": 8, "minute": 59, "second": 21}
